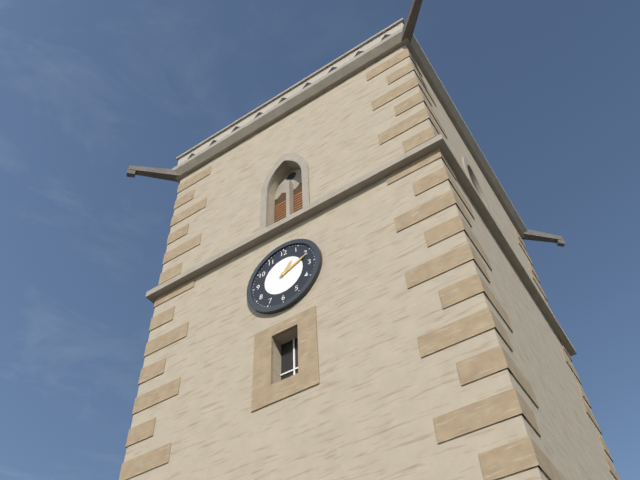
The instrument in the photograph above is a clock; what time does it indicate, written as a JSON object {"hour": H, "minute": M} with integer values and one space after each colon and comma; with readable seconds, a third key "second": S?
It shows {"hour": 1, "minute": 11}
